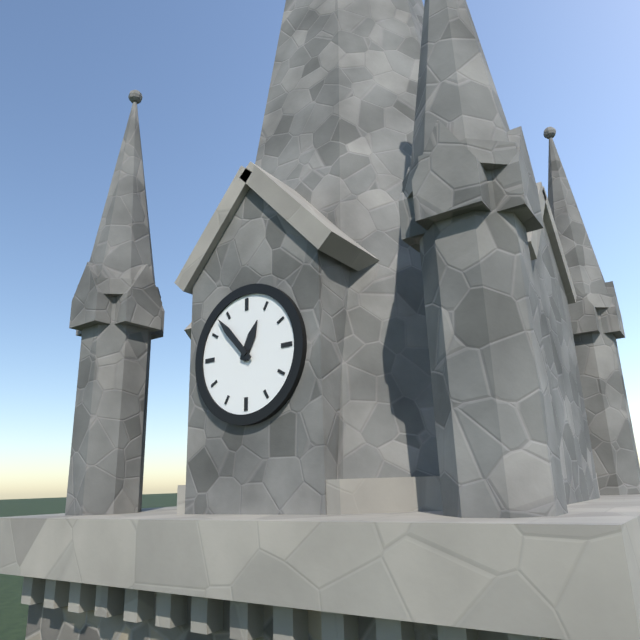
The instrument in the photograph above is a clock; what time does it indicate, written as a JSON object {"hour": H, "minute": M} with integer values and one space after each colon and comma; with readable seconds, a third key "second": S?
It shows {"hour": 12, "minute": 53}
